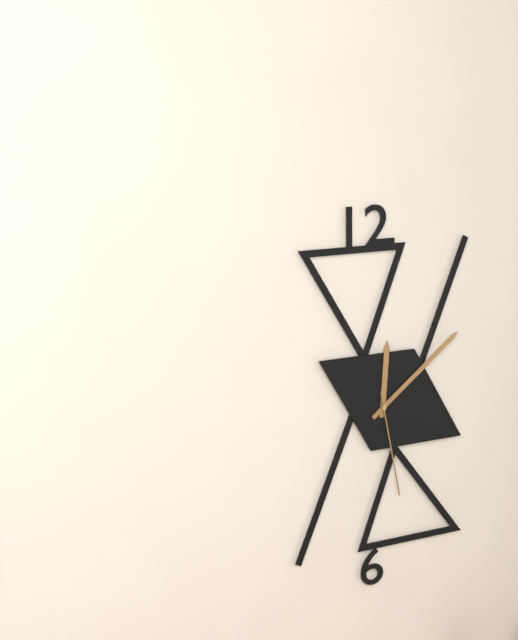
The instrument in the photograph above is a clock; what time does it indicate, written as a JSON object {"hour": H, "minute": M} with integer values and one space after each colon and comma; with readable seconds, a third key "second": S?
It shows {"hour": 12, "minute": 9, "second": 28}
